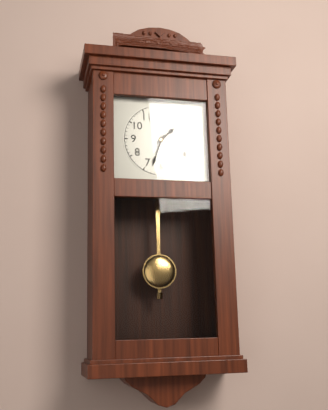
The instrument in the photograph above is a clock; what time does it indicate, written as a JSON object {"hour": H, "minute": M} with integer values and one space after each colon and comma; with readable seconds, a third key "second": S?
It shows {"hour": 1, "minute": 33}
